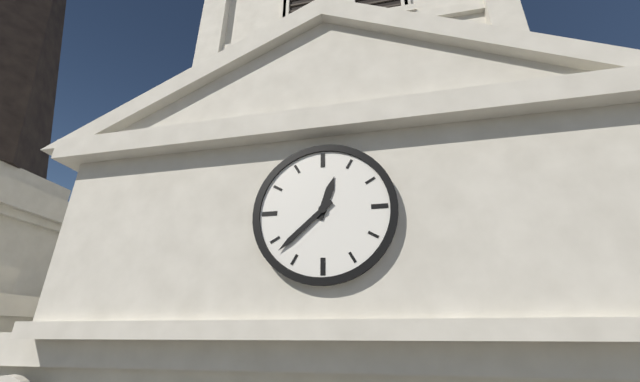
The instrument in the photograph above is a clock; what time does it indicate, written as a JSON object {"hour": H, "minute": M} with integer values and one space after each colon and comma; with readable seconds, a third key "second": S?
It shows {"hour": 12, "minute": 38}
